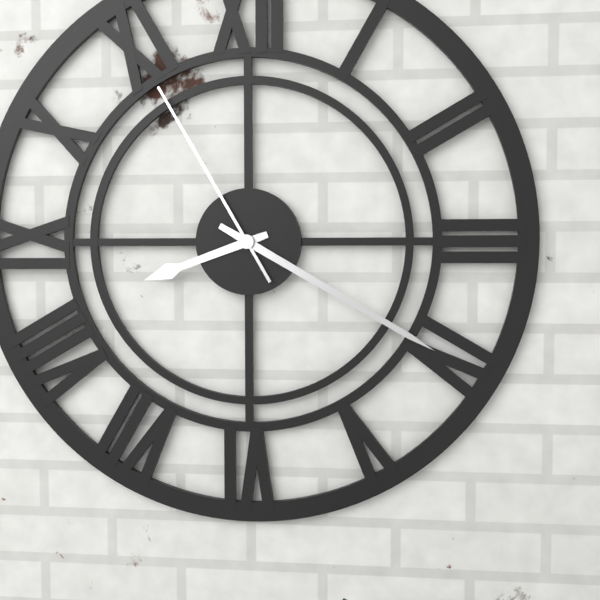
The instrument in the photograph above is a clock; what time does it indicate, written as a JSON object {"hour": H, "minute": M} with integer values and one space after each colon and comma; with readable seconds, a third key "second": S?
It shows {"hour": 8, "minute": 20, "second": 55}
